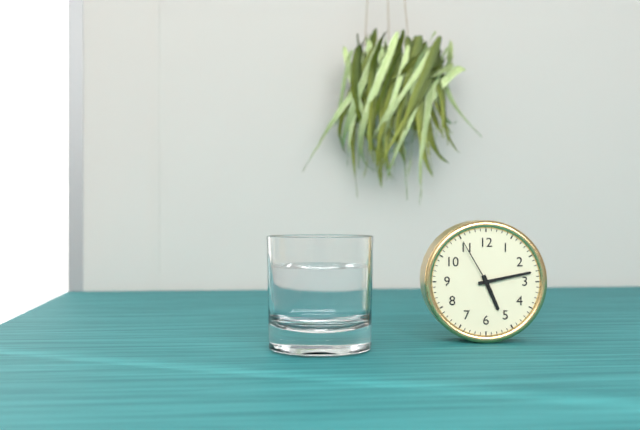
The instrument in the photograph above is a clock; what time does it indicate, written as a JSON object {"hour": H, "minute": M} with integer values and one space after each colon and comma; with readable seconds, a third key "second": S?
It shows {"hour": 5, "minute": 13, "second": 55}
